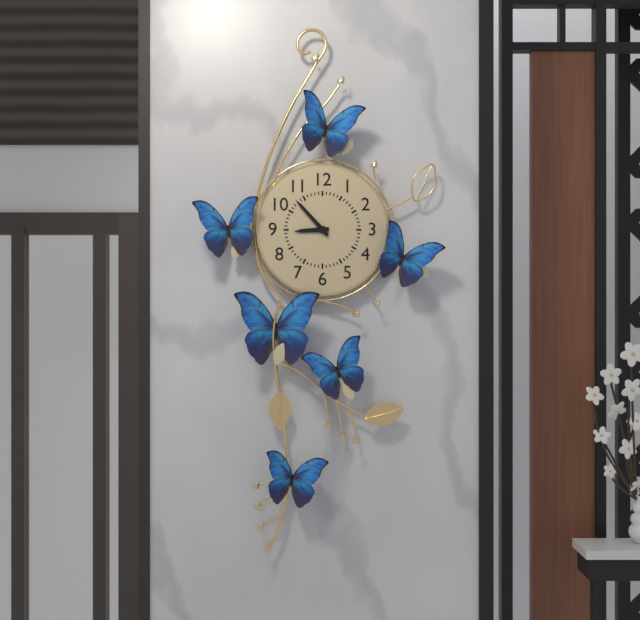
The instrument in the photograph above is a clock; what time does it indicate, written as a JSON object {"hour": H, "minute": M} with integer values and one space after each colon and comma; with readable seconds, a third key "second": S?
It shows {"hour": 8, "minute": 53}
